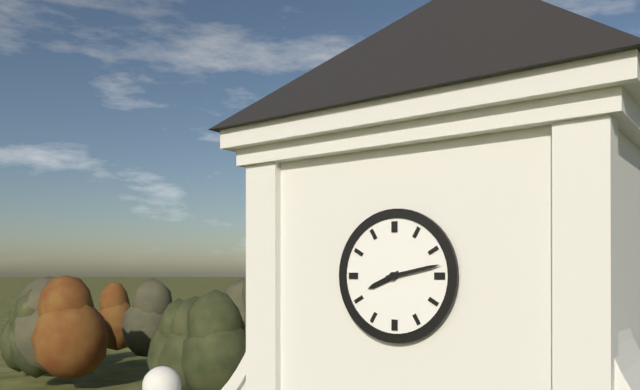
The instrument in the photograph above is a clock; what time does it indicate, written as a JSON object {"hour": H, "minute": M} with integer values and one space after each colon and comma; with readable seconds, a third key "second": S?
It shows {"hour": 8, "minute": 13}
